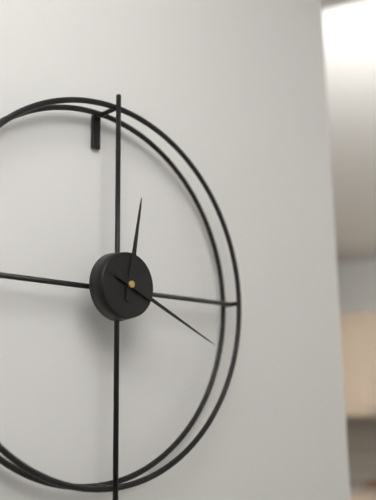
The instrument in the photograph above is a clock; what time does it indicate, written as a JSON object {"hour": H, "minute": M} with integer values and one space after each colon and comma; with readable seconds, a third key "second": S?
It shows {"hour": 12, "minute": 19}
